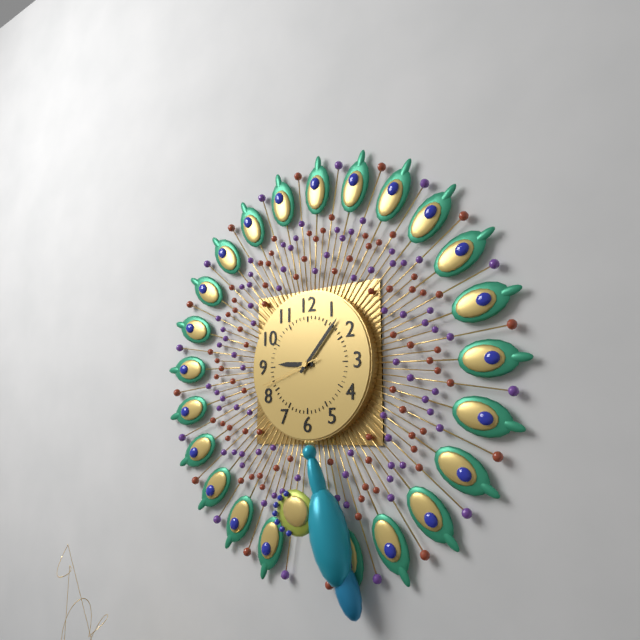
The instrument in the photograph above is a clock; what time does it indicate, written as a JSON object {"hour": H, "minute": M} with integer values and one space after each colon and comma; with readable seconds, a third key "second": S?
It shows {"hour": 9, "minute": 7, "second": 42}
